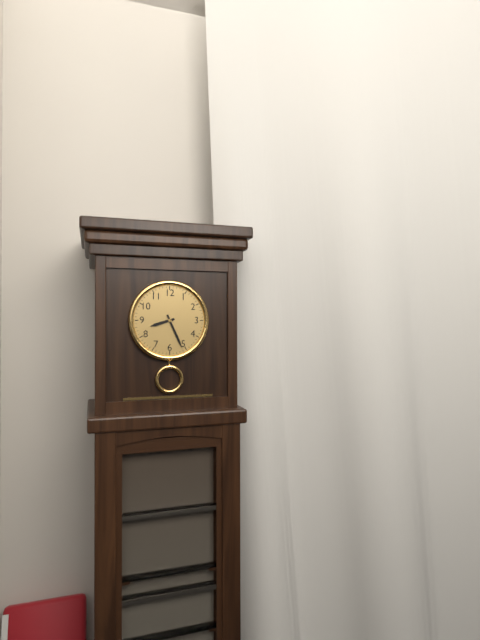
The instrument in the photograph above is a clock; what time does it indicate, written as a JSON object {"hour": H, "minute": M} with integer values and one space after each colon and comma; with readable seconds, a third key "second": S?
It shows {"hour": 8, "minute": 26}
